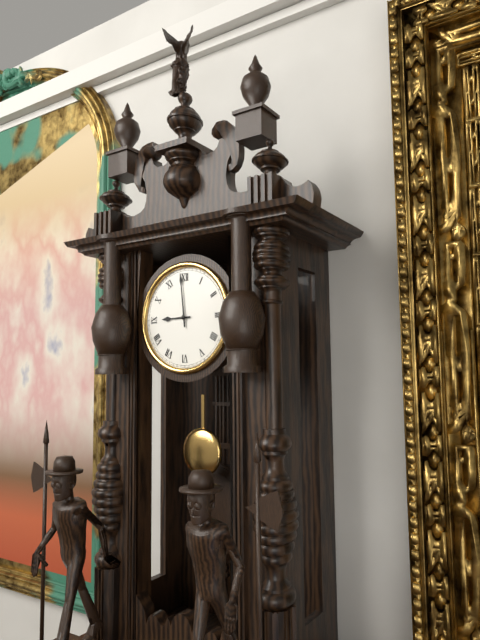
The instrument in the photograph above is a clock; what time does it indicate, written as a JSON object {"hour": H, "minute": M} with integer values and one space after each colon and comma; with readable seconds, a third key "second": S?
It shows {"hour": 8, "minute": 59}
